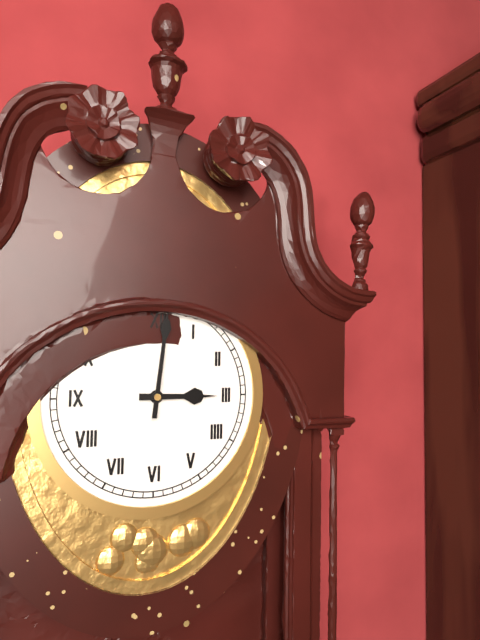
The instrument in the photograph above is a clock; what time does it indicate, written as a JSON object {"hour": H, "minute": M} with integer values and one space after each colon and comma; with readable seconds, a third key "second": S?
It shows {"hour": 3, "minute": 1}
